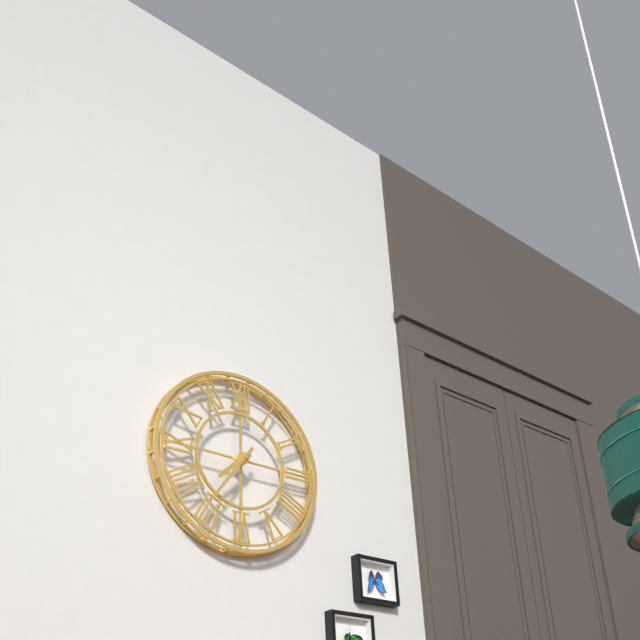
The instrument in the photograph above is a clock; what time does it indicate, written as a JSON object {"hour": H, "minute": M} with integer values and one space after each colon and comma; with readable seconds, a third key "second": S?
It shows {"hour": 7, "minute": 36}
